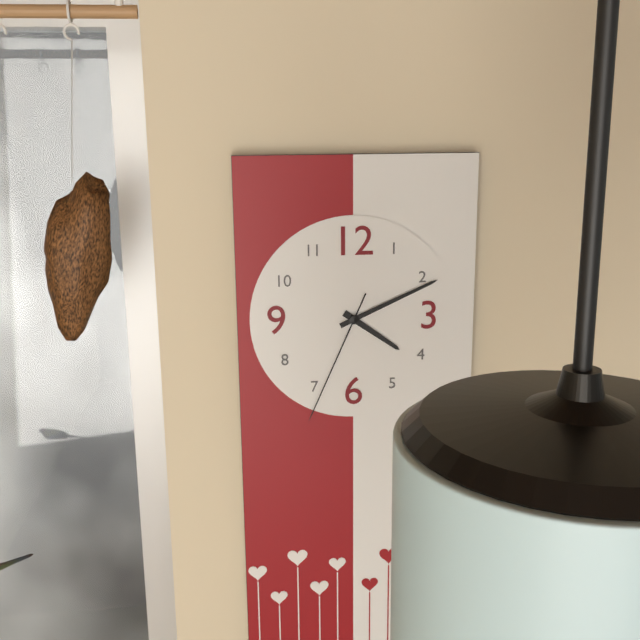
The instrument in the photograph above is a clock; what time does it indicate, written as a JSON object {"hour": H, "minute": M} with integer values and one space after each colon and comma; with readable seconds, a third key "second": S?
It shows {"hour": 4, "minute": 11, "second": 34}
